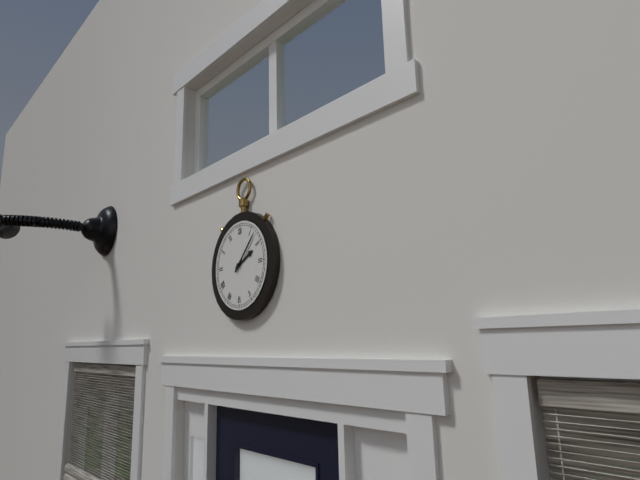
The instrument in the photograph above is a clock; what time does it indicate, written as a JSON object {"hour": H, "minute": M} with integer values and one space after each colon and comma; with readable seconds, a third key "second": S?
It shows {"hour": 2, "minute": 7}
